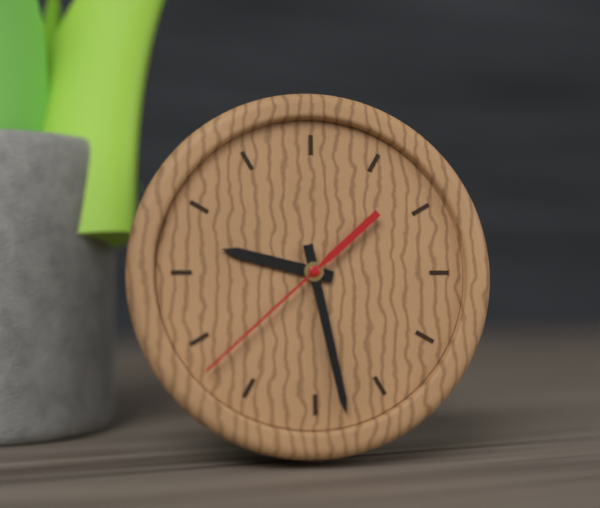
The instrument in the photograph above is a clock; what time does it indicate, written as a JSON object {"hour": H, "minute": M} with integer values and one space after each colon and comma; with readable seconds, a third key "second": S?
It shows {"hour": 9, "minute": 28, "second": 38}
